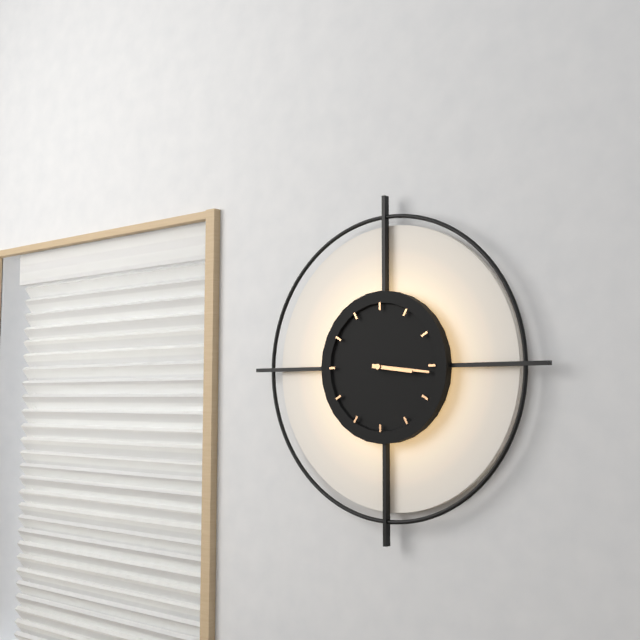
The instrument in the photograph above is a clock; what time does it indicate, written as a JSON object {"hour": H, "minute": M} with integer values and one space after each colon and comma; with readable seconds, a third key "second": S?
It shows {"hour": 3, "minute": 16}
